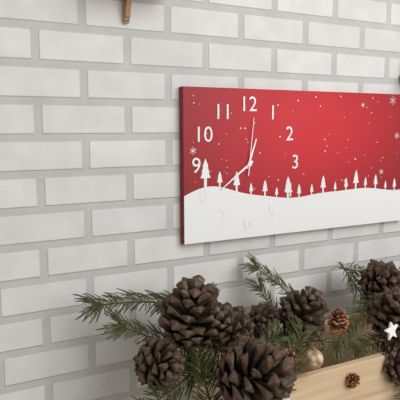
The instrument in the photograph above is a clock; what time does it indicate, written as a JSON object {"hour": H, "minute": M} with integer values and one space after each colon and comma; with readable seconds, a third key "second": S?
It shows {"hour": 12, "minute": 39, "second": 1}
